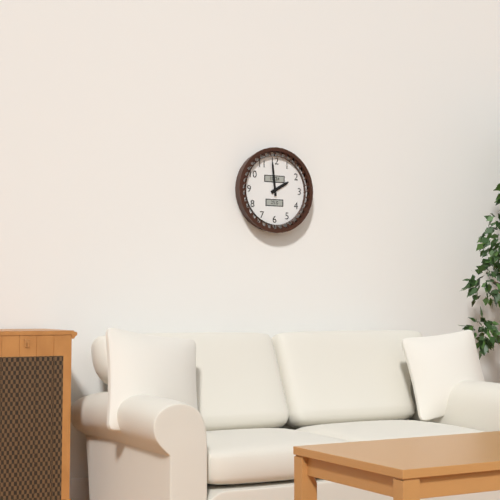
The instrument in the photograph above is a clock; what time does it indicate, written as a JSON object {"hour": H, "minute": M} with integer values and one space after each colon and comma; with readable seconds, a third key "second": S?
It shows {"hour": 1, "minute": 59}
